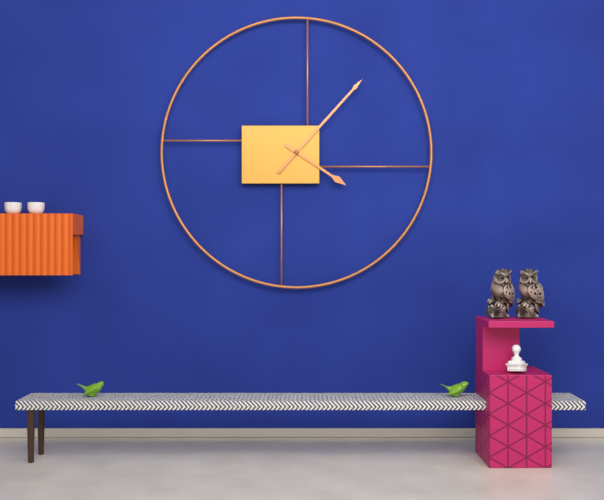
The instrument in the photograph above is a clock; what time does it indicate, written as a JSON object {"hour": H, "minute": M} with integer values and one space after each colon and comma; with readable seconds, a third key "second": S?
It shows {"hour": 4, "minute": 7}
